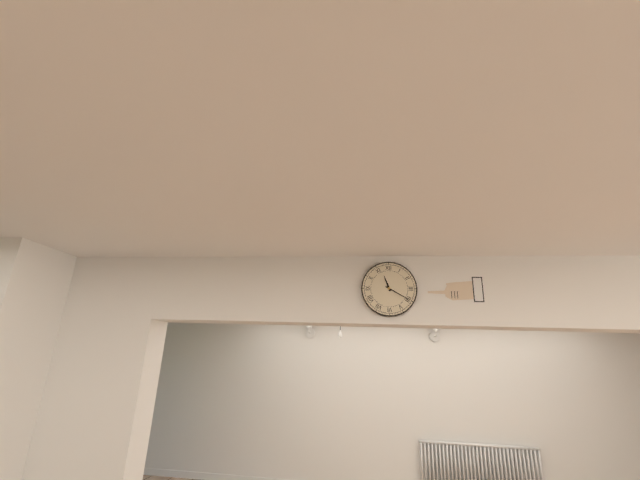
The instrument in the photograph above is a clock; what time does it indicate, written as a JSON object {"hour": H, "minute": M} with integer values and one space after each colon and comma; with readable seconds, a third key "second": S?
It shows {"hour": 11, "minute": 20}
